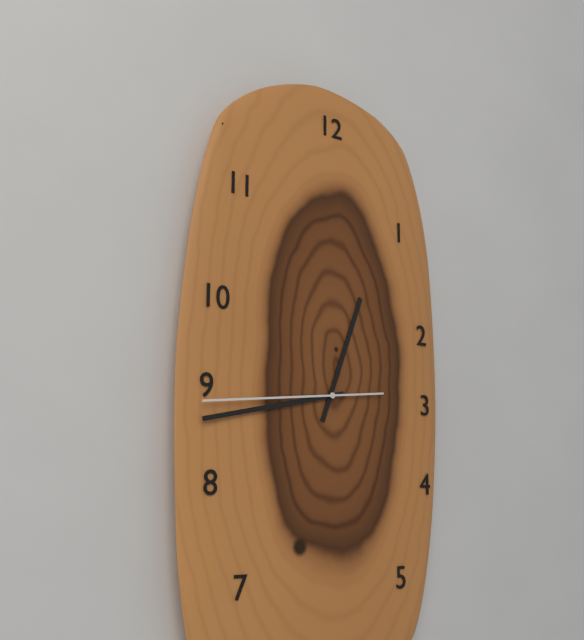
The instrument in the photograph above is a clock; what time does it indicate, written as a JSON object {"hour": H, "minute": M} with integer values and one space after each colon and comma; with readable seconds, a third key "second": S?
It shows {"hour": 12, "minute": 43, "second": 44}
